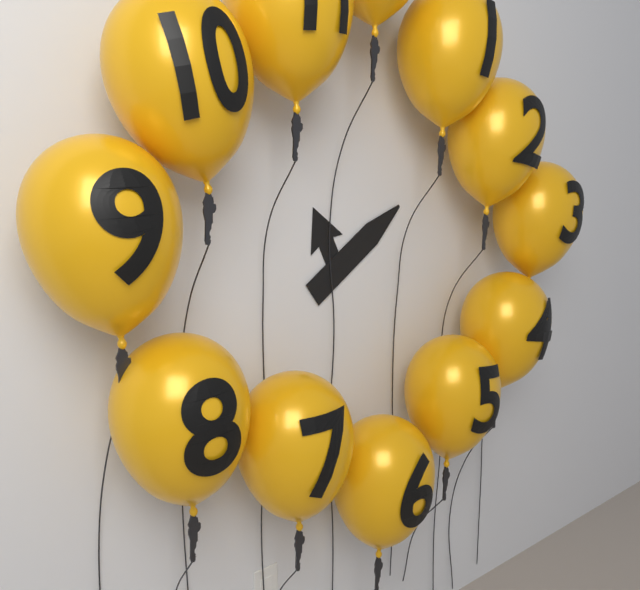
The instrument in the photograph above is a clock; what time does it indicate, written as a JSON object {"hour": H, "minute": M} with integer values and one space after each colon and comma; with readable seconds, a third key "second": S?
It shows {"hour": 11, "minute": 9}
